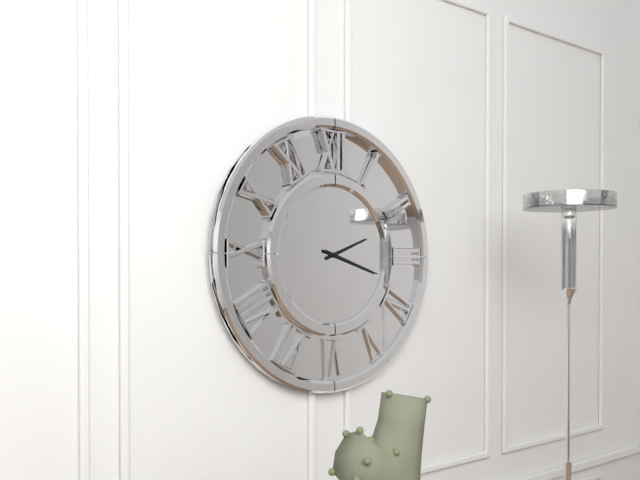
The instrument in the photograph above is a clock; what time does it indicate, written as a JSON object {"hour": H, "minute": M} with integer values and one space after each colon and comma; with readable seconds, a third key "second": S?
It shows {"hour": 2, "minute": 18}
